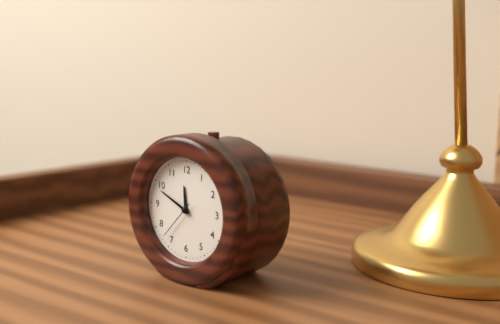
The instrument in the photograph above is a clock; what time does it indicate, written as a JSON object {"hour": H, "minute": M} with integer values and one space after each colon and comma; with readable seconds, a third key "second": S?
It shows {"hour": 11, "minute": 49}
